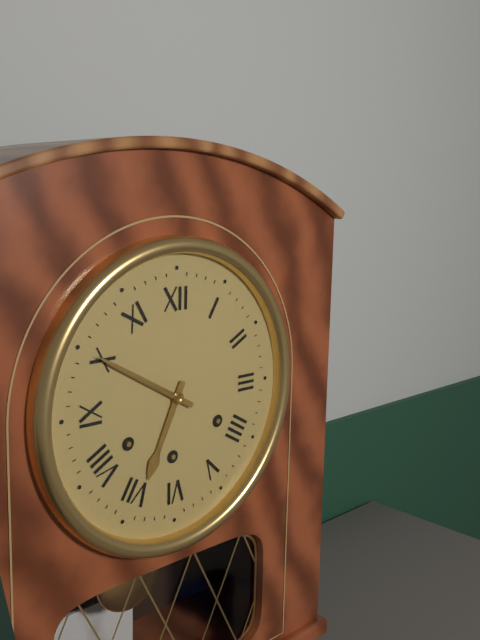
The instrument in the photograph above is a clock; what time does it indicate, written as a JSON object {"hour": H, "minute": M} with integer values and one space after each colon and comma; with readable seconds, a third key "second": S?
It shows {"hour": 6, "minute": 50}
